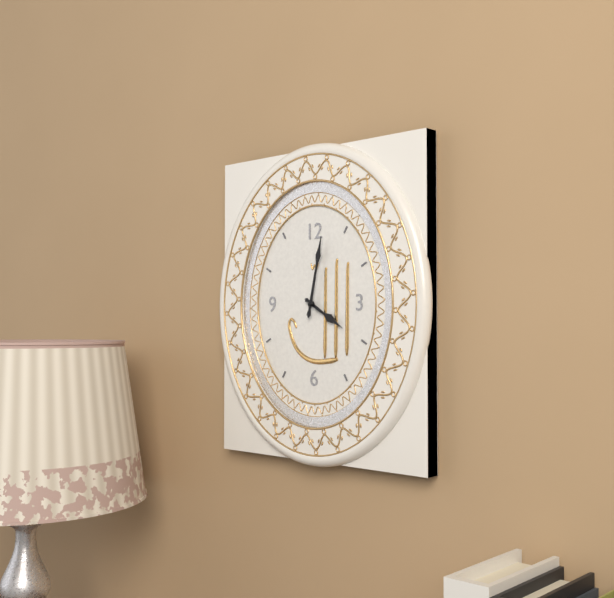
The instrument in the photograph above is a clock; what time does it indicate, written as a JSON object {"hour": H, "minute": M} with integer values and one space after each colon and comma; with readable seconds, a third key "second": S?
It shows {"hour": 4, "minute": 2}
